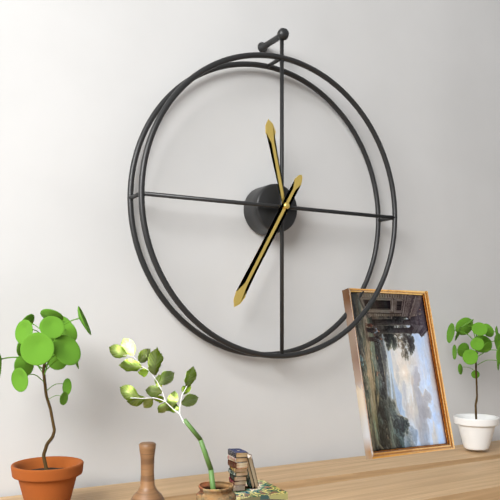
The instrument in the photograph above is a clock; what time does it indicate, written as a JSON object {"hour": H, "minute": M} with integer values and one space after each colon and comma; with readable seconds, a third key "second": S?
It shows {"hour": 11, "minute": 35}
